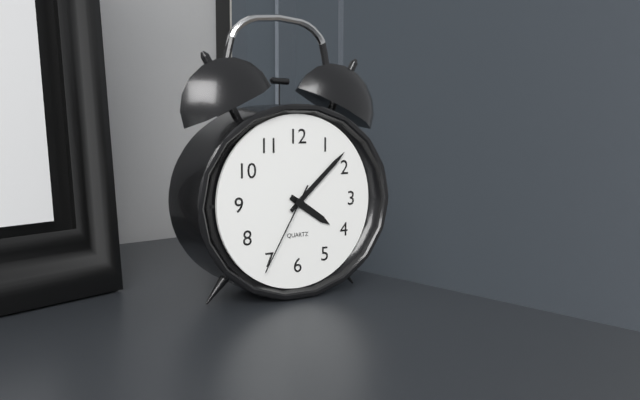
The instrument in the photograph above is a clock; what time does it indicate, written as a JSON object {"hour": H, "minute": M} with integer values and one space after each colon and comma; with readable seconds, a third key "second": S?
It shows {"hour": 4, "minute": 8, "second": 35}
